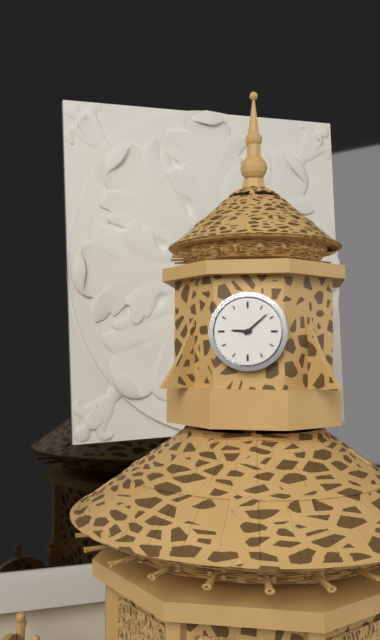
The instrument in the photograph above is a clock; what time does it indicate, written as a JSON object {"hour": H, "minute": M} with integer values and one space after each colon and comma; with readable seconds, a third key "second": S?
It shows {"hour": 9, "minute": 8}
